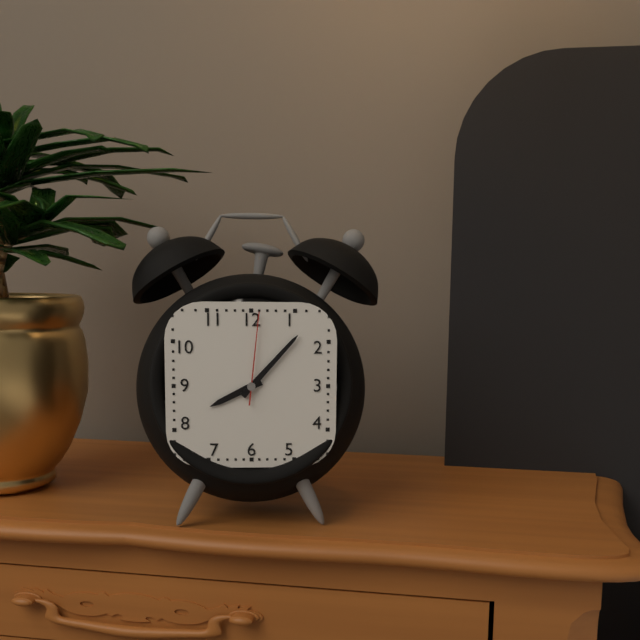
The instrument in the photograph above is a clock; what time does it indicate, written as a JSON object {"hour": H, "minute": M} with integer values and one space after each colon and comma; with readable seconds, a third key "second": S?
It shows {"hour": 8, "minute": 7, "second": 1}
